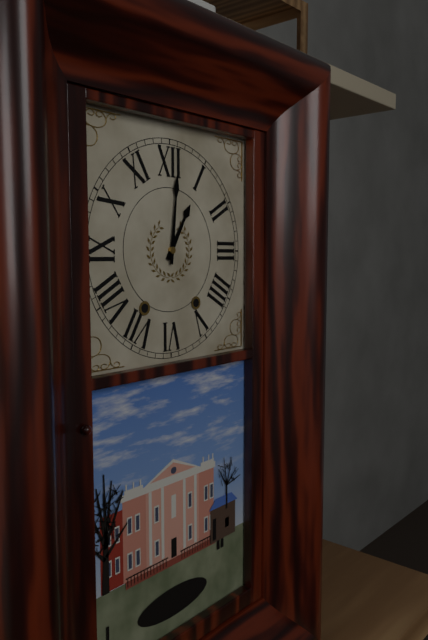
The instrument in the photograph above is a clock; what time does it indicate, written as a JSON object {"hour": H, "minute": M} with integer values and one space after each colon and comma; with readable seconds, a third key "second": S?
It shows {"hour": 1, "minute": 1}
